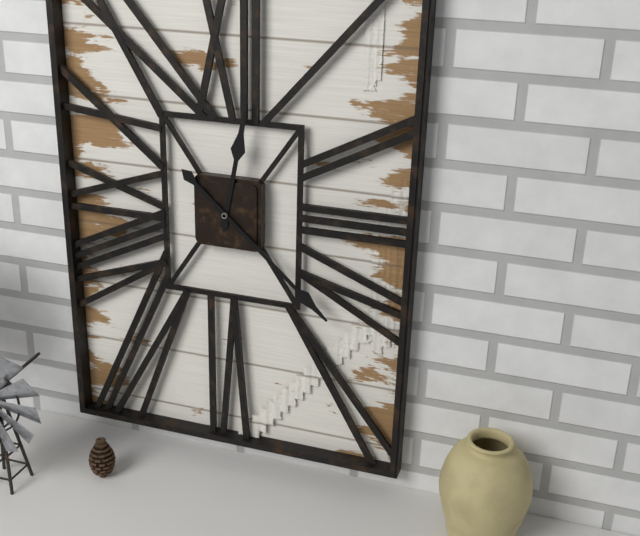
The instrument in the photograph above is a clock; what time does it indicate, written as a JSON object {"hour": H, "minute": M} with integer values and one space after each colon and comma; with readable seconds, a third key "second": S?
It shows {"hour": 12, "minute": 22}
